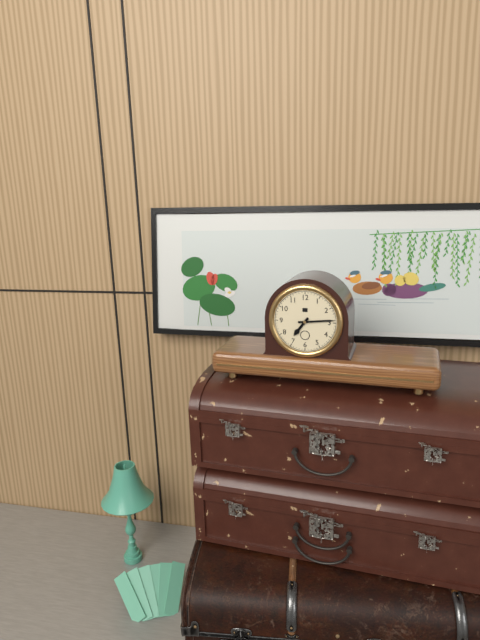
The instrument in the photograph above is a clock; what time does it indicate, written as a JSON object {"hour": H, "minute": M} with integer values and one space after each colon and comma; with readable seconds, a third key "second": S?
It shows {"hour": 7, "minute": 14}
